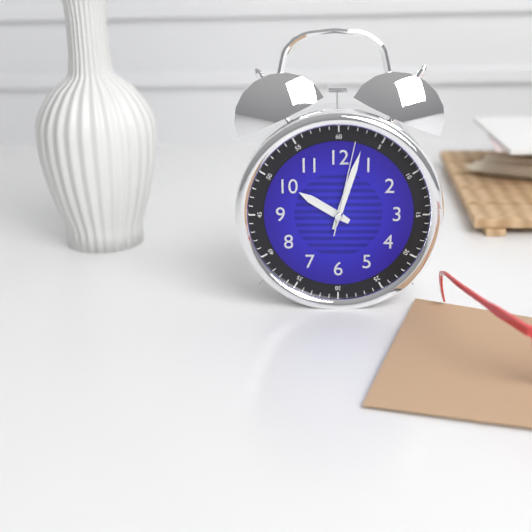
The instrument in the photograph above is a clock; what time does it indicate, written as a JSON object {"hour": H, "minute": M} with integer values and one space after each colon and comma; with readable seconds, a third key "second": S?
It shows {"hour": 10, "minute": 3, "second": 2}
